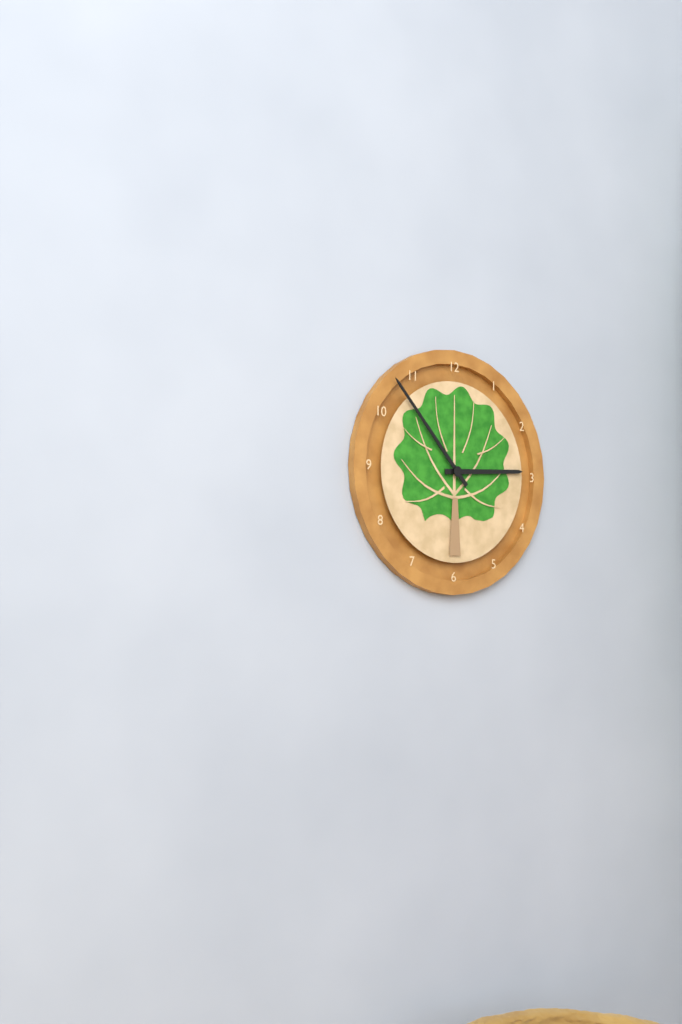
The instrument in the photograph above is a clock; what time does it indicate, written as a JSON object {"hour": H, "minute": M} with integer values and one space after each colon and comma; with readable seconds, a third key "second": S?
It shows {"hour": 2, "minute": 53}
